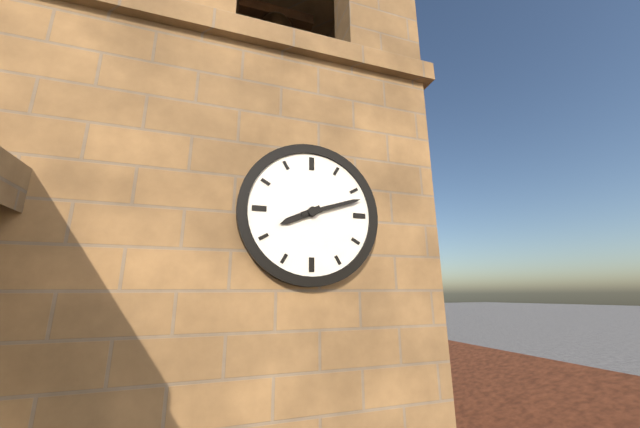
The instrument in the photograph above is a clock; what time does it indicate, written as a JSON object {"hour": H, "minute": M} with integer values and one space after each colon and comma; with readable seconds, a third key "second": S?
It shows {"hour": 8, "minute": 12}
